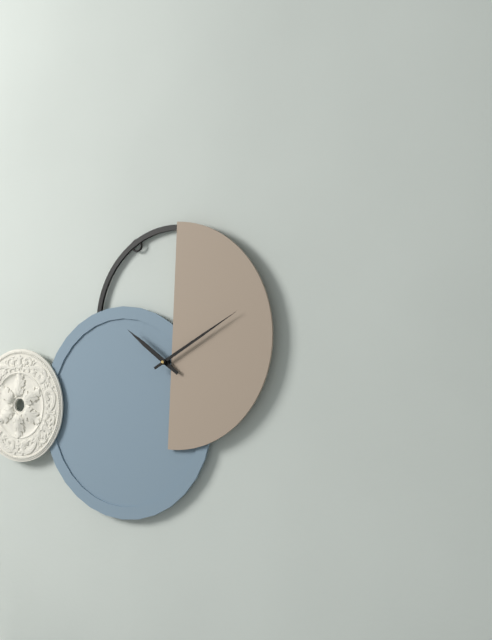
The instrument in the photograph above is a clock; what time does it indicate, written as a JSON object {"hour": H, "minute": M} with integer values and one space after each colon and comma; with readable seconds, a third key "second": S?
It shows {"hour": 10, "minute": 10}
